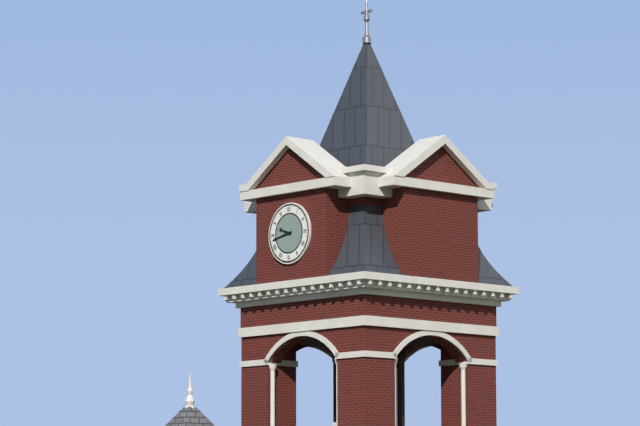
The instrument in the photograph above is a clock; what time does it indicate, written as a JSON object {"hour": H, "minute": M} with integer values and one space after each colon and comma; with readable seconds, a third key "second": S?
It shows {"hour": 9, "minute": 43}
